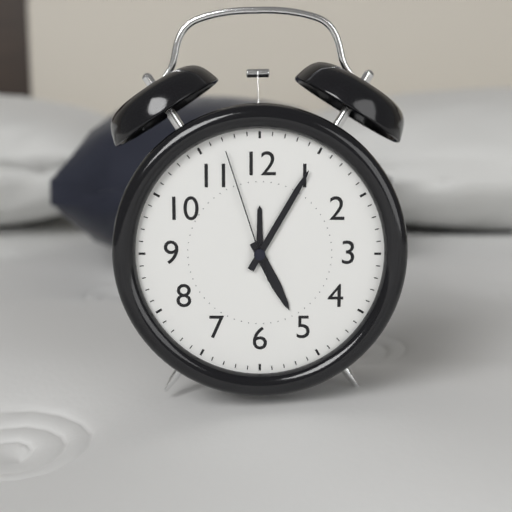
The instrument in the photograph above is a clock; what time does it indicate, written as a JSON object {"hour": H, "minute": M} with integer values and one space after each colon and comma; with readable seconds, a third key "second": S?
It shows {"hour": 5, "minute": 5, "second": 57}
